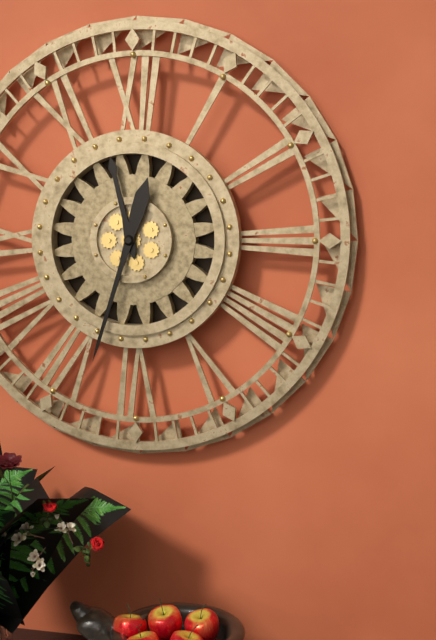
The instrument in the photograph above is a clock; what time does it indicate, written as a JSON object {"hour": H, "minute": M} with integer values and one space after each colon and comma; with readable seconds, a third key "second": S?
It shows {"hour": 11, "minute": 33}
